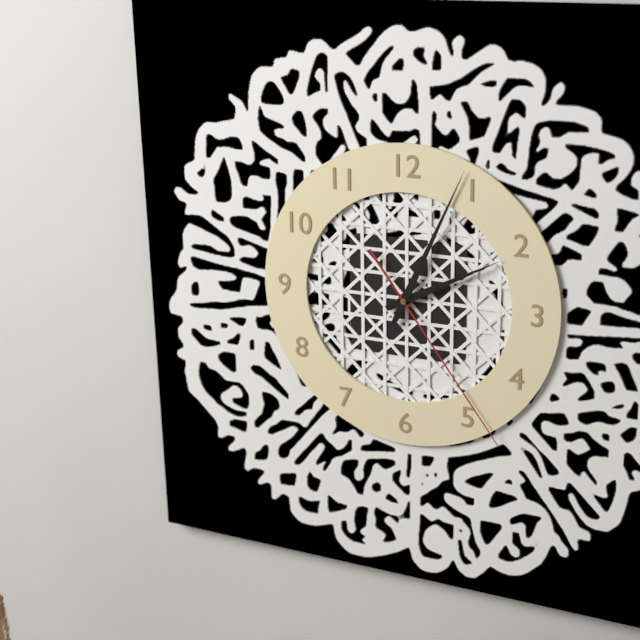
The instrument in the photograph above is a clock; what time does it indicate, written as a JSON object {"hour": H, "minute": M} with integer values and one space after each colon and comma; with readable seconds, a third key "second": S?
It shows {"hour": 2, "minute": 4, "second": 24}
